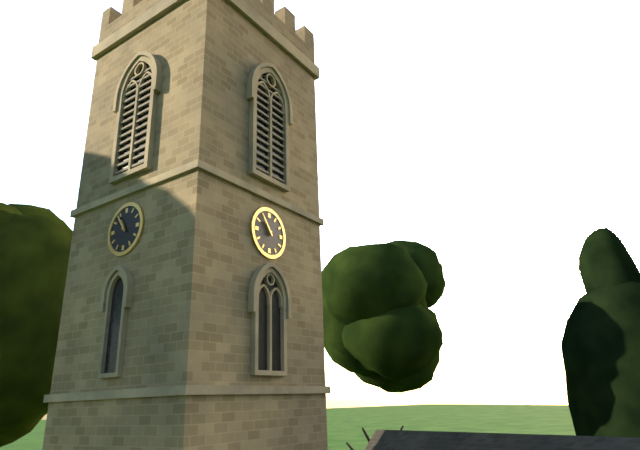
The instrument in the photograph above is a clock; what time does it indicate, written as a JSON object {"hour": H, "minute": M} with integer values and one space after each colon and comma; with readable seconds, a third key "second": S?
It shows {"hour": 10, "minute": 54}
